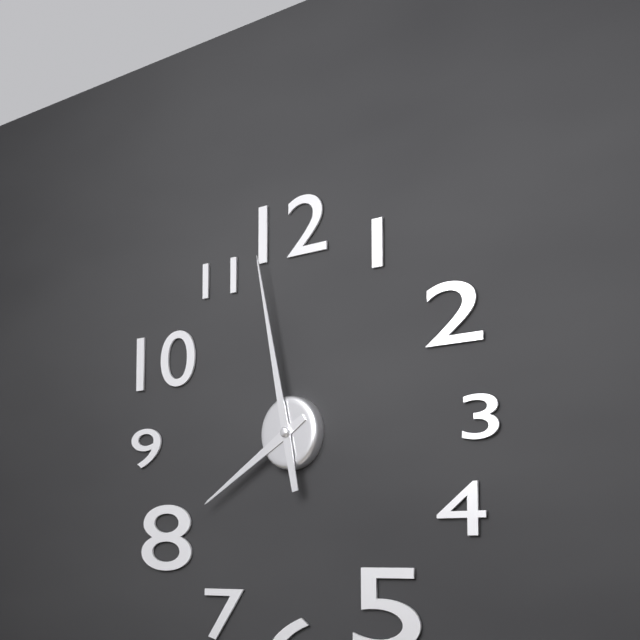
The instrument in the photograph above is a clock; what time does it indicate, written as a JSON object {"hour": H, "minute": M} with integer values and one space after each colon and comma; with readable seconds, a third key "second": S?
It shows {"hour": 7, "minute": 58}
